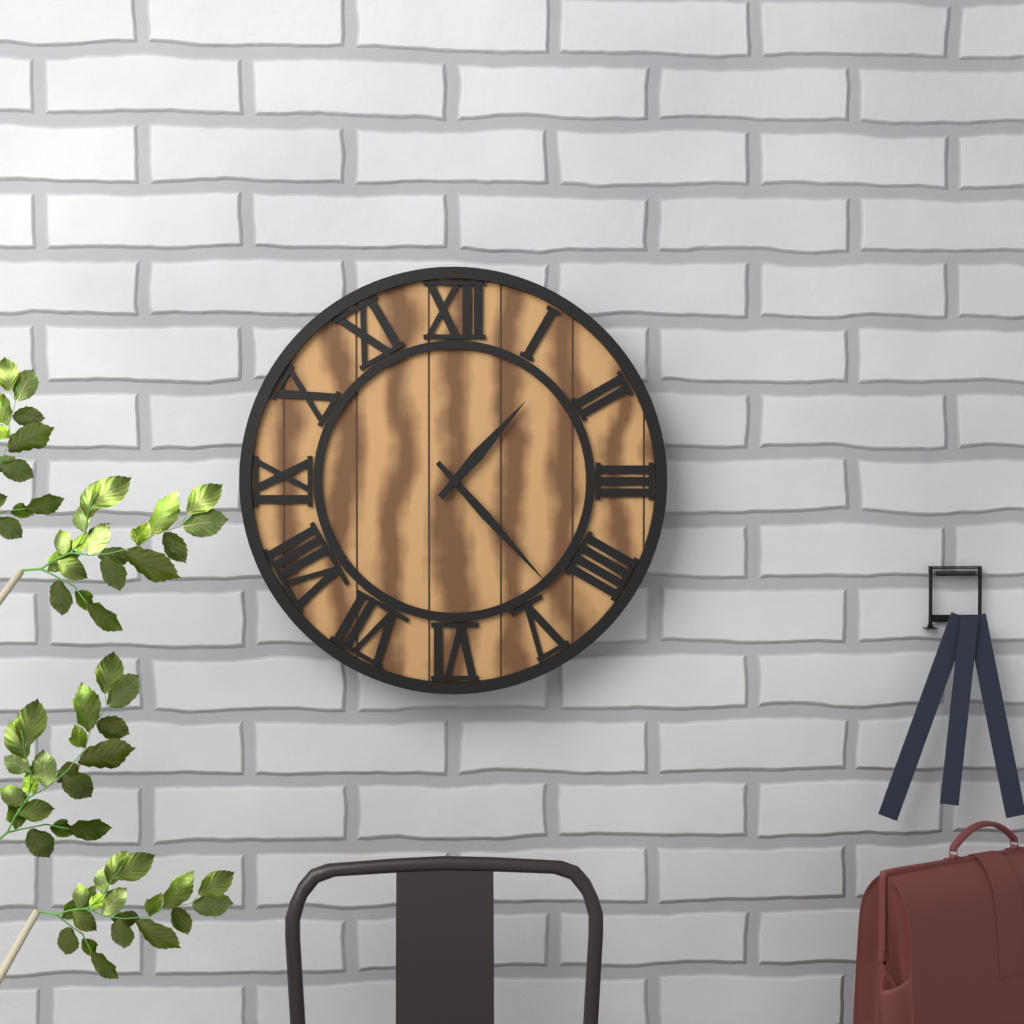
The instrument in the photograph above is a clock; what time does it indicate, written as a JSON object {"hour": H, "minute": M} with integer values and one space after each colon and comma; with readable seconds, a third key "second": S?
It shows {"hour": 1, "minute": 23}
